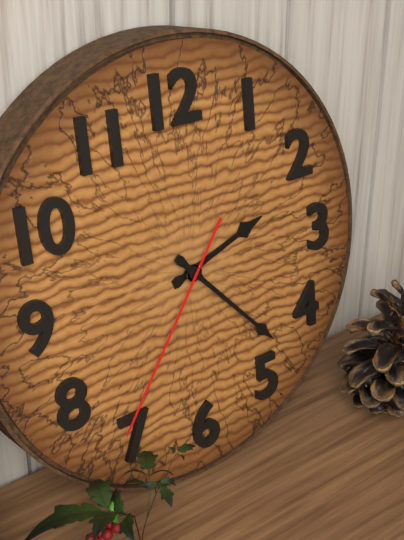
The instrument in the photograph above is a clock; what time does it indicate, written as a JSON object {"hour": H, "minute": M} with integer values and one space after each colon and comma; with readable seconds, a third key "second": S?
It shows {"hour": 2, "minute": 23, "second": 36}
